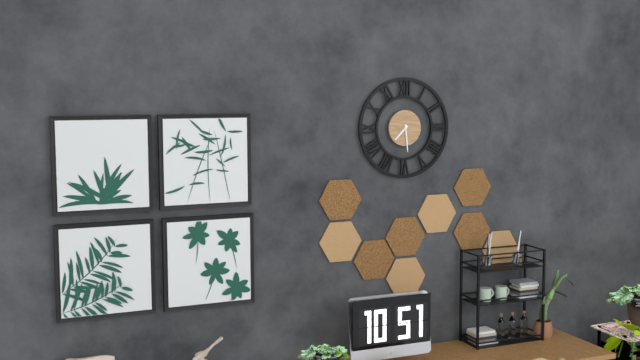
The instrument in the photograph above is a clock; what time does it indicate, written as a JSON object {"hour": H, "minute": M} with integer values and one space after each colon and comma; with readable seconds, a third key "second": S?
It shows {"hour": 7, "minute": 29}
